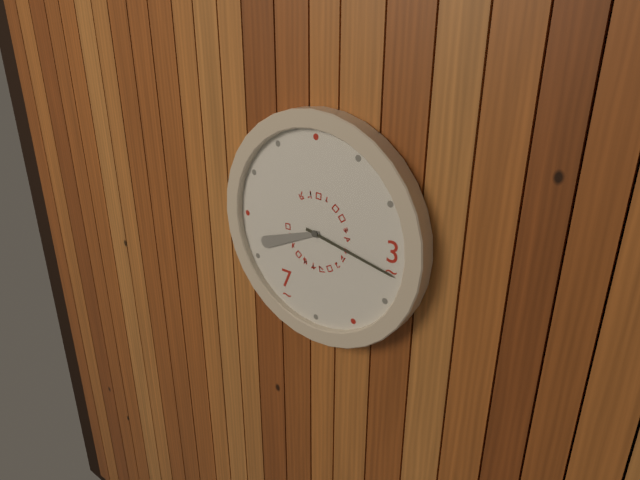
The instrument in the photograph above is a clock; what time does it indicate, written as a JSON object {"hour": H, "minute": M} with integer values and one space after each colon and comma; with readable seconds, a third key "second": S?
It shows {"hour": 8, "minute": 17}
